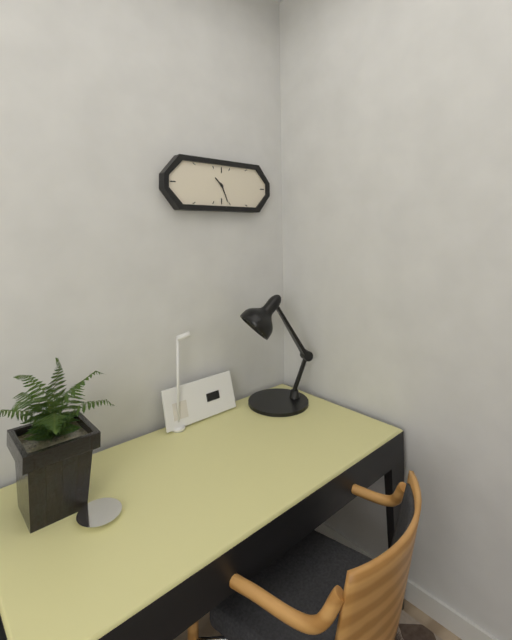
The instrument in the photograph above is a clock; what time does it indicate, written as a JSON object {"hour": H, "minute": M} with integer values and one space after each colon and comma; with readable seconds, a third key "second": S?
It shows {"hour": 10, "minute": 26}
